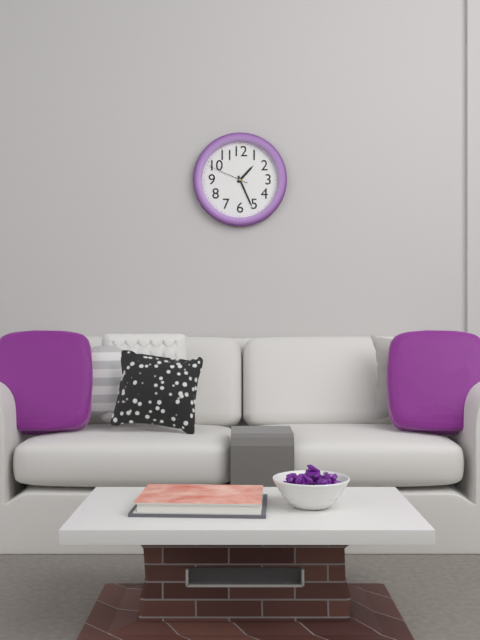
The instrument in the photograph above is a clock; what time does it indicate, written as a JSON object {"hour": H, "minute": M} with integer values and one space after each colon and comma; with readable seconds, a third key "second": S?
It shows {"hour": 1, "minute": 26}
